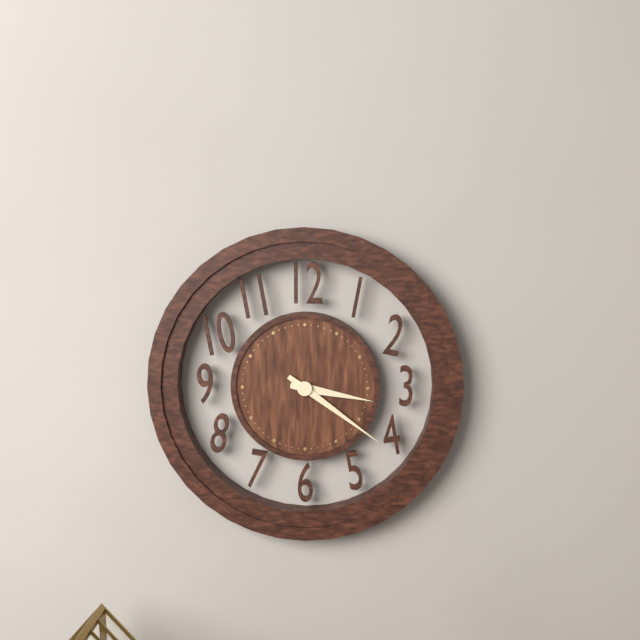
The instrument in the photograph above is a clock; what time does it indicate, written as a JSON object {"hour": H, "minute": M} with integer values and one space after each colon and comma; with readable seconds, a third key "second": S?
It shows {"hour": 3, "minute": 21}
